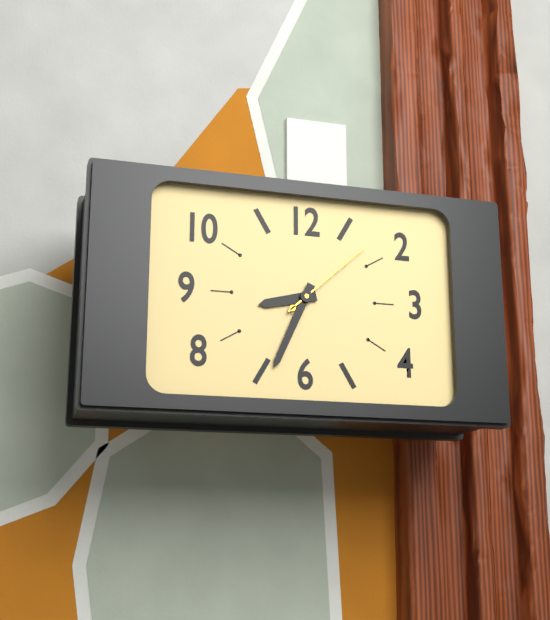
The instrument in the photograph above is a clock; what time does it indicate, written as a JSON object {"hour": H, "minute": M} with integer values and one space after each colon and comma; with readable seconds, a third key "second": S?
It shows {"hour": 8, "minute": 34, "second": 8}
